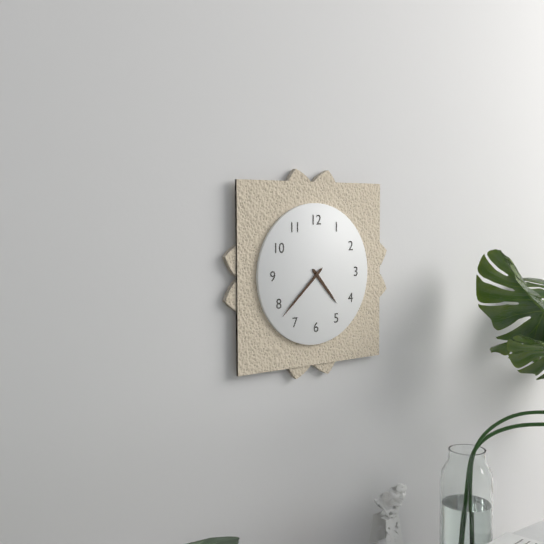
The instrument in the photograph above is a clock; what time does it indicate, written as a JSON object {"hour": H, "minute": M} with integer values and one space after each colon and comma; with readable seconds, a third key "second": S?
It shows {"hour": 4, "minute": 38}
